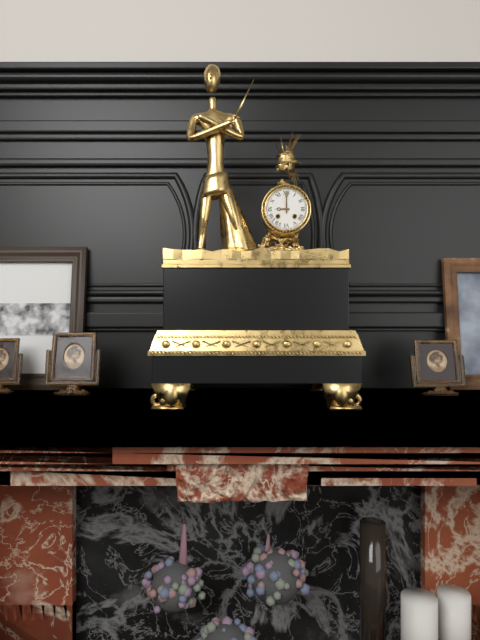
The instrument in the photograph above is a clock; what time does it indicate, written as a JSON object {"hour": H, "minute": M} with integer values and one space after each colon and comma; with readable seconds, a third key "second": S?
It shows {"hour": 9, "minute": 0}
